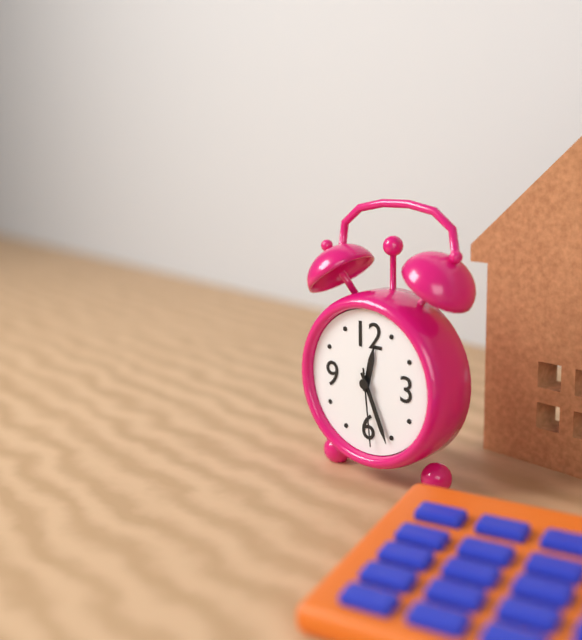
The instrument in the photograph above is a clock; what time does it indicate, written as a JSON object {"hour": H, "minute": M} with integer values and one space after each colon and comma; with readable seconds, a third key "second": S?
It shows {"hour": 12, "minute": 26, "second": 29}
